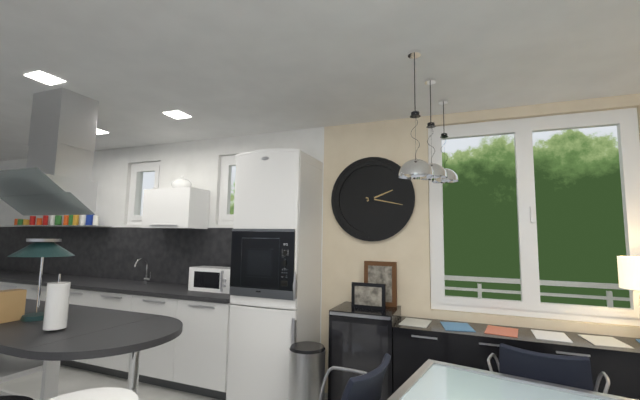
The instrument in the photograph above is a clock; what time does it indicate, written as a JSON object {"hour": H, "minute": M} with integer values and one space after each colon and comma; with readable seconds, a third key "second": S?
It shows {"hour": 2, "minute": 17}
